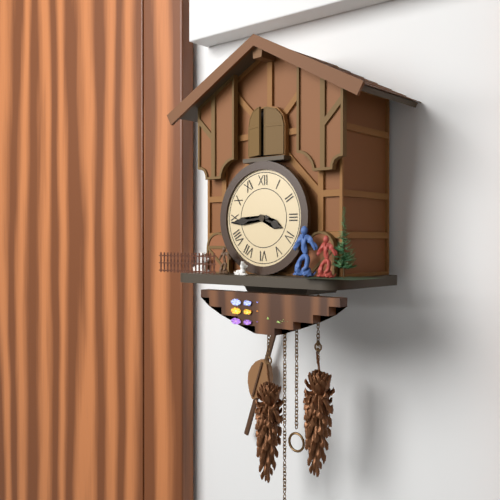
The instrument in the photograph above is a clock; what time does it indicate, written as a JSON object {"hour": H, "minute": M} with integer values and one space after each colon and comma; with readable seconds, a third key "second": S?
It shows {"hour": 3, "minute": 44}
